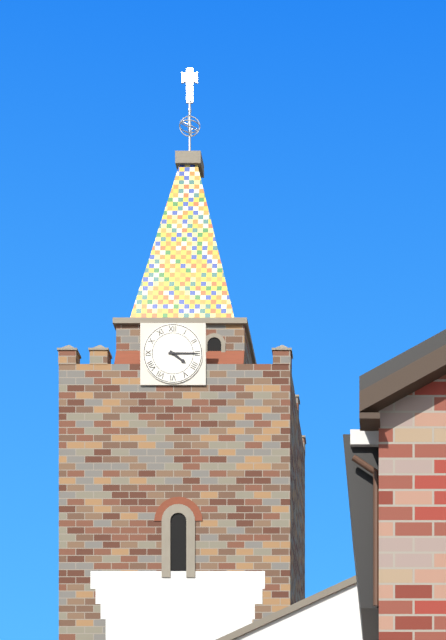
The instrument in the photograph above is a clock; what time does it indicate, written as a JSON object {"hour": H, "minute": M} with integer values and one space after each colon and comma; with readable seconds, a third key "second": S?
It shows {"hour": 4, "minute": 15}
